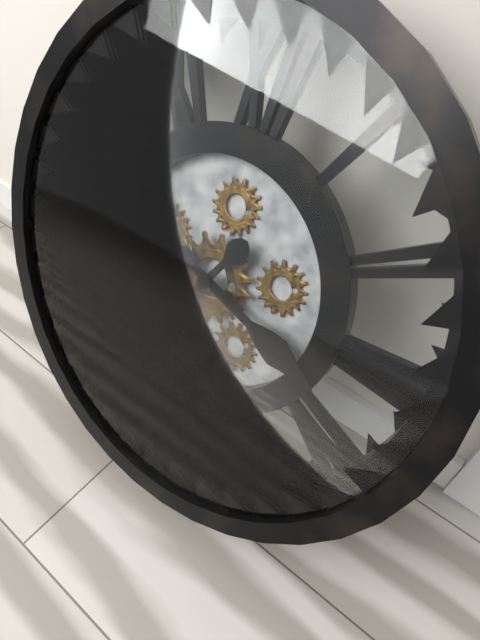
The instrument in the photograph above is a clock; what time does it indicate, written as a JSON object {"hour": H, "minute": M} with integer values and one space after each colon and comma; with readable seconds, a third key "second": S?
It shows {"hour": 3, "minute": 35}
